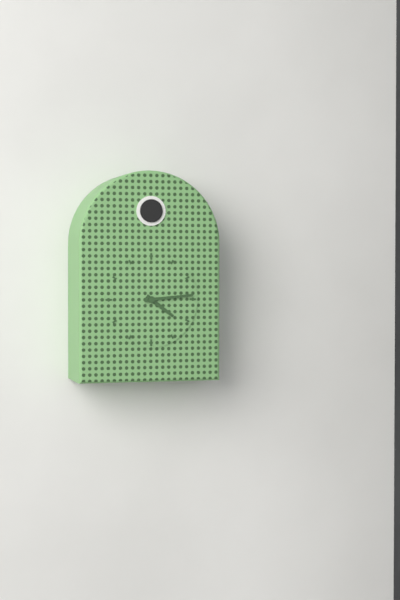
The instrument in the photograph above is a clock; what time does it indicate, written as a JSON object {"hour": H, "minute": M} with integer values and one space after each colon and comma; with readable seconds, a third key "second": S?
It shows {"hour": 4, "minute": 14}
